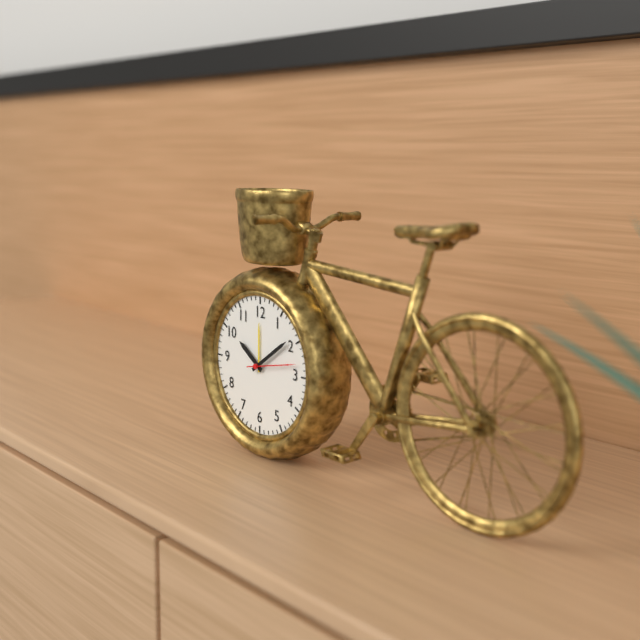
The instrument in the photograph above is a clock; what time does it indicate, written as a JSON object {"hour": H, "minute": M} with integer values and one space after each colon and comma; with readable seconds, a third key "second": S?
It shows {"hour": 10, "minute": 9}
